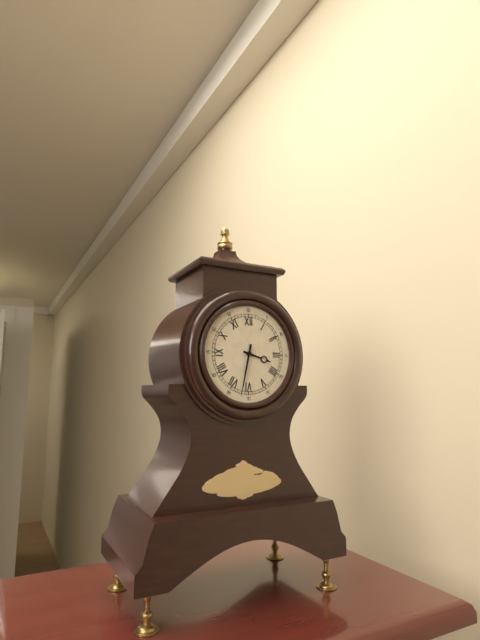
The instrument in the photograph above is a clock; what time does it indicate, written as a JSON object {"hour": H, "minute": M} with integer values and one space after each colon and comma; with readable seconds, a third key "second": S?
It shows {"hour": 3, "minute": 32}
